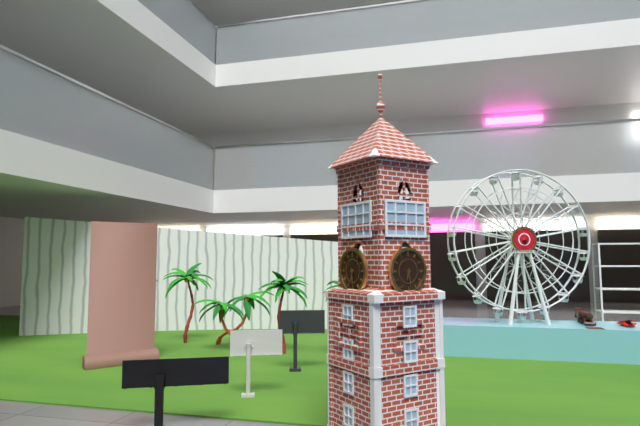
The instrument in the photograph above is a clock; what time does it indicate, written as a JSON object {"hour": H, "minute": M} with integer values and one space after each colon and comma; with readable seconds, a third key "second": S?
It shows {"hour": 6, "minute": 29}
